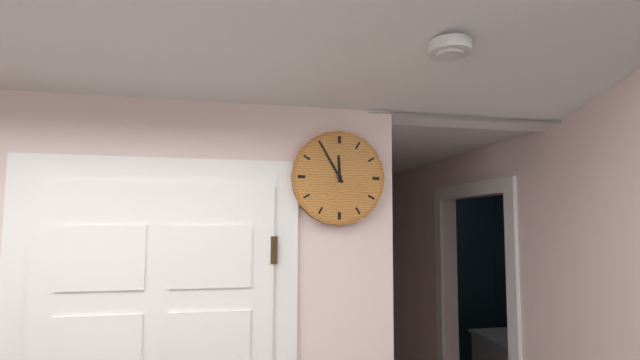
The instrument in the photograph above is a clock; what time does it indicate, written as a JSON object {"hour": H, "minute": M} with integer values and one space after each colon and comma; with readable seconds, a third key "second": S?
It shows {"hour": 11, "minute": 55}
